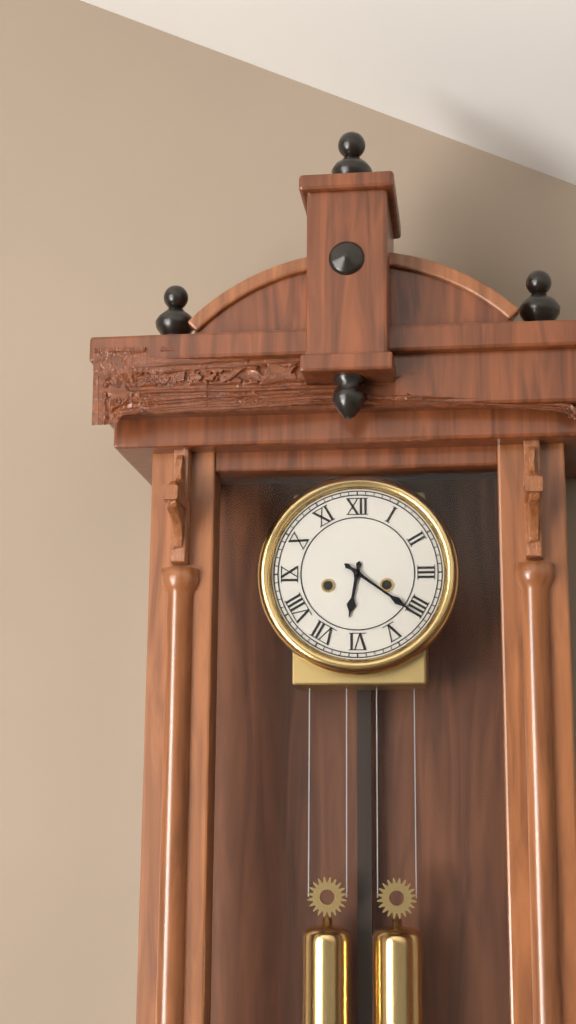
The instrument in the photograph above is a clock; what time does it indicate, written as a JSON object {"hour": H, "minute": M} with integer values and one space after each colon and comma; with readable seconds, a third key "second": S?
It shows {"hour": 6, "minute": 21}
